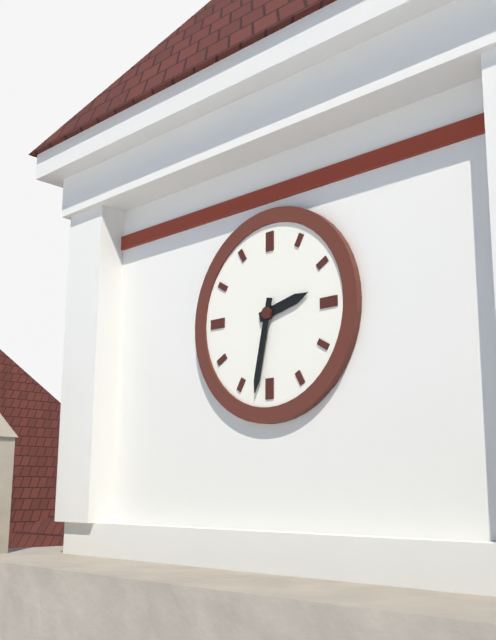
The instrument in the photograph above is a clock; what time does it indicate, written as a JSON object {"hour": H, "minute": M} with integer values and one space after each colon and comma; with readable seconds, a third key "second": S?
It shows {"hour": 2, "minute": 32}
